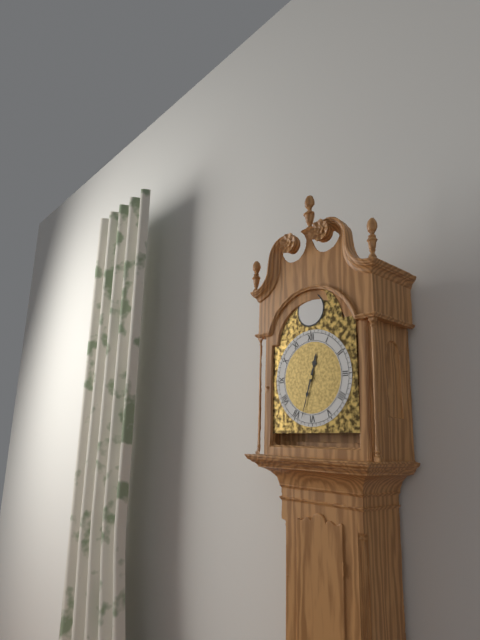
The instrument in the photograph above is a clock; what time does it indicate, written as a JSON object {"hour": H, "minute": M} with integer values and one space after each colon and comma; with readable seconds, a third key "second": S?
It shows {"hour": 12, "minute": 33}
